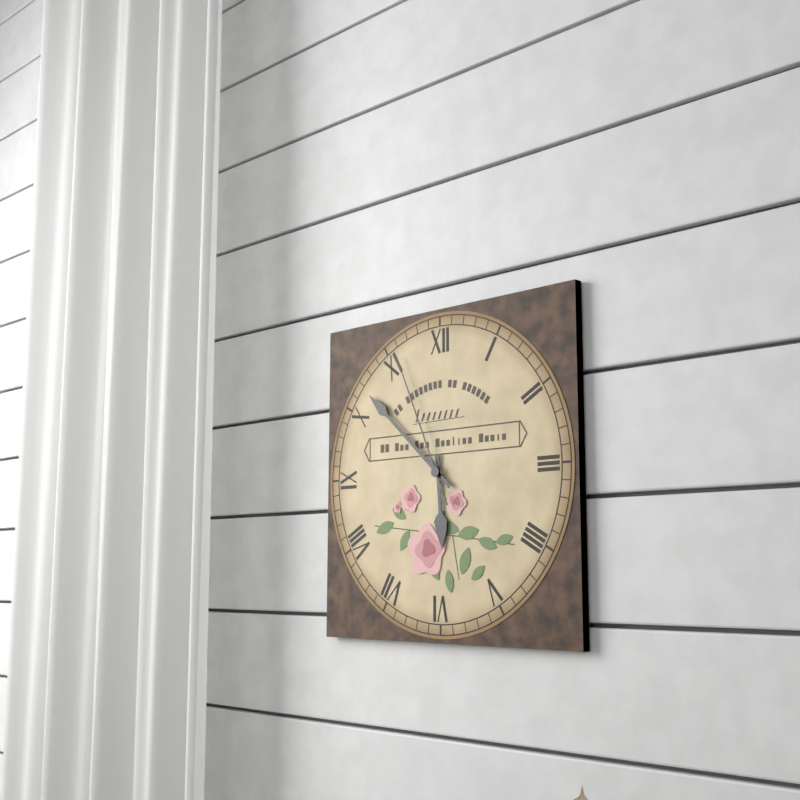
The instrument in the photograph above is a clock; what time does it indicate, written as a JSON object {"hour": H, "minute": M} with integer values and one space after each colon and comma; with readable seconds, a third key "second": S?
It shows {"hour": 5, "minute": 52, "second": 56}
